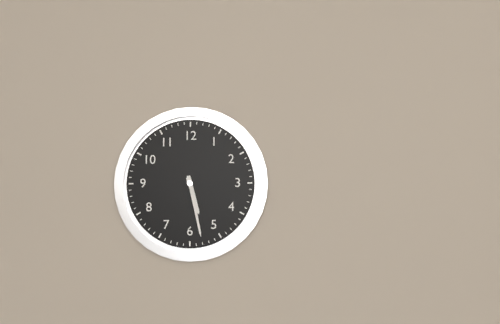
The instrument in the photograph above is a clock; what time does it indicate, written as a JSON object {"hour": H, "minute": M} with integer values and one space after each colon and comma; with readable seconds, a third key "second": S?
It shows {"hour": 5, "minute": 28}
